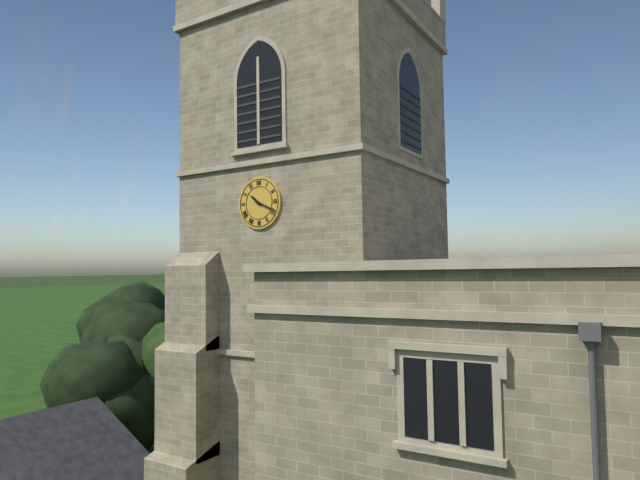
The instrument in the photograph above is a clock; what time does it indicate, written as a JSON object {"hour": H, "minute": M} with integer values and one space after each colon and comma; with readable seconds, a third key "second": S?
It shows {"hour": 10, "minute": 19}
